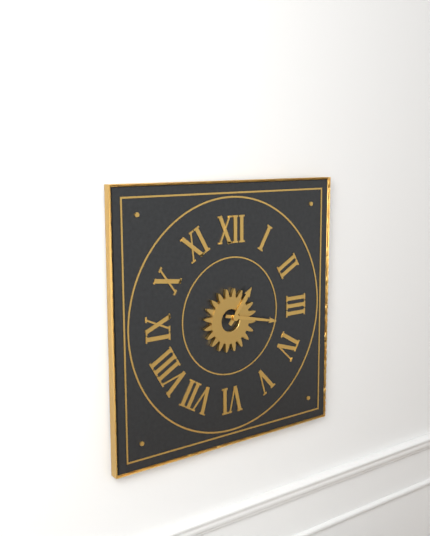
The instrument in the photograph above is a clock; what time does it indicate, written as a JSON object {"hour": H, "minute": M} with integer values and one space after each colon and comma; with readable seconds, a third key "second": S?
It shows {"hour": 1, "minute": 17}
